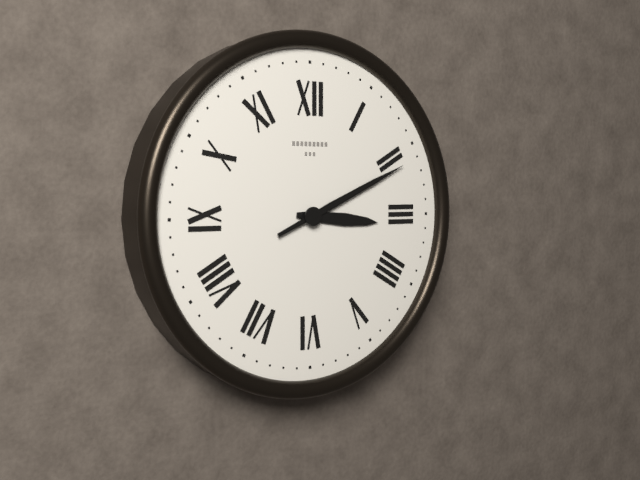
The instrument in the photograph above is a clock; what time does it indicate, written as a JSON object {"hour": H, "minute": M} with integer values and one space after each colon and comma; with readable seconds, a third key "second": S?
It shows {"hour": 3, "minute": 11}
